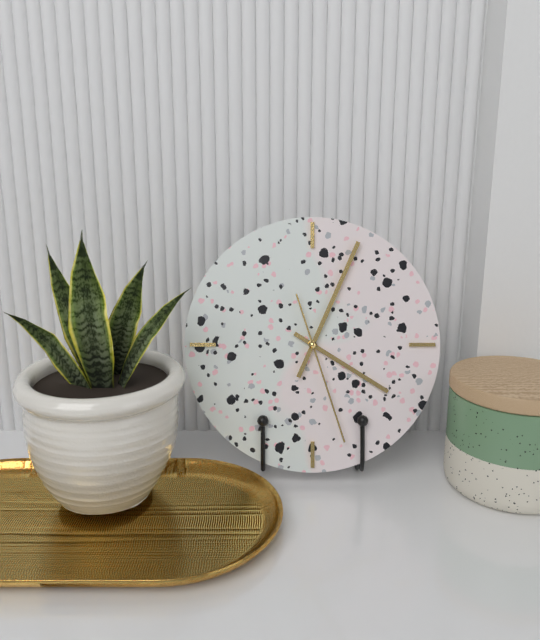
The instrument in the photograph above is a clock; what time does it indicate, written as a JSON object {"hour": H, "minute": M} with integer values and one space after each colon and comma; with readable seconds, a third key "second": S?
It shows {"hour": 4, "minute": 4, "second": 27}
